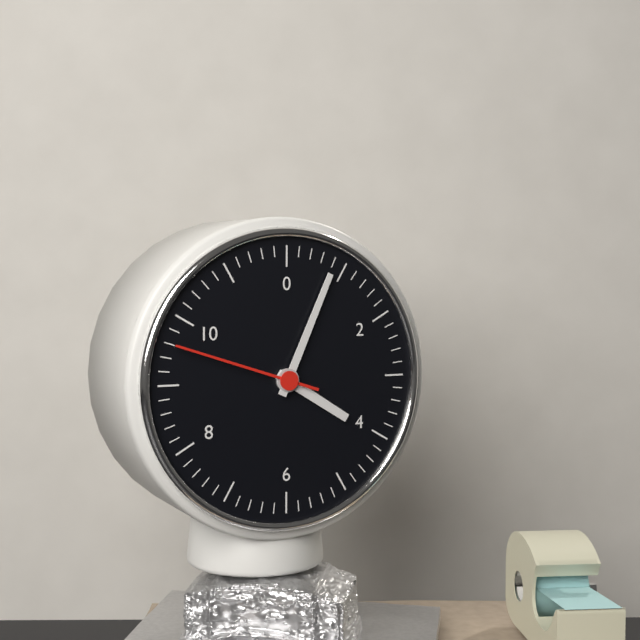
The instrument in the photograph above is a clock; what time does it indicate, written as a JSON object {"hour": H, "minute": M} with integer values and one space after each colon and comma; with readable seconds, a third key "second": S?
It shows {"hour": 4, "minute": 4, "second": 48}
